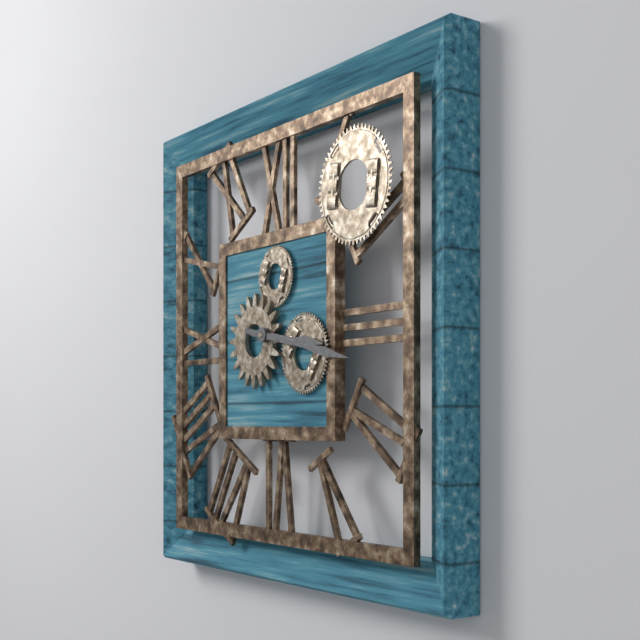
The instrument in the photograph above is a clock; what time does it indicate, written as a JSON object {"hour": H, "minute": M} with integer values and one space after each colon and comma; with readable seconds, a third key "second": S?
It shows {"hour": 3, "minute": 17}
